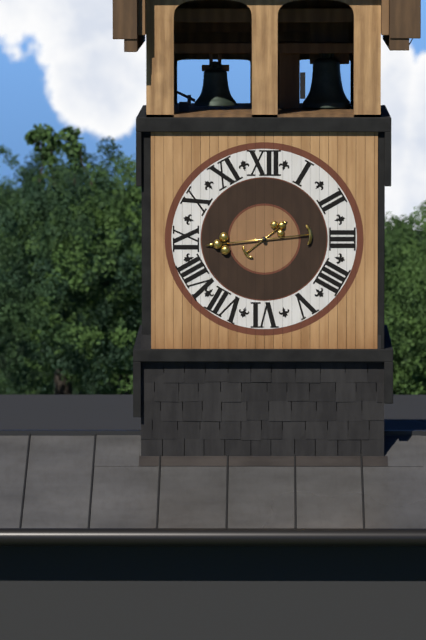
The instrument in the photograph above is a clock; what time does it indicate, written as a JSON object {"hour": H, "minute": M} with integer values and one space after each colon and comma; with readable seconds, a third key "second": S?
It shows {"hour": 1, "minute": 44}
